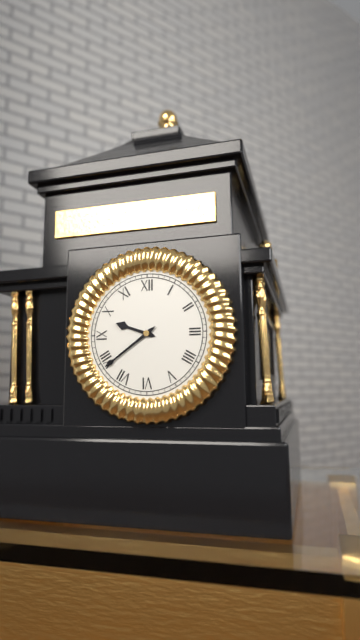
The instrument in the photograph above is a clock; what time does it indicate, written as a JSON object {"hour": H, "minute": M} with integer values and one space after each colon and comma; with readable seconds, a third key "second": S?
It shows {"hour": 9, "minute": 39}
